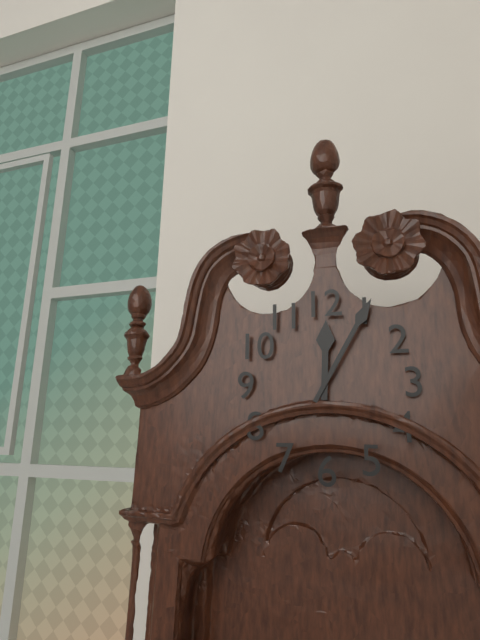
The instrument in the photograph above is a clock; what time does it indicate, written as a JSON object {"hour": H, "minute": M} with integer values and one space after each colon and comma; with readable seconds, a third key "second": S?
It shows {"hour": 12, "minute": 5}
